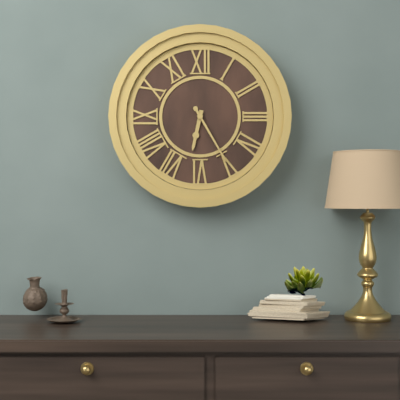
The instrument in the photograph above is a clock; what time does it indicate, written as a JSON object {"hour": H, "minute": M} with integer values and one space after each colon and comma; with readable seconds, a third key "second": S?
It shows {"hour": 6, "minute": 25}
